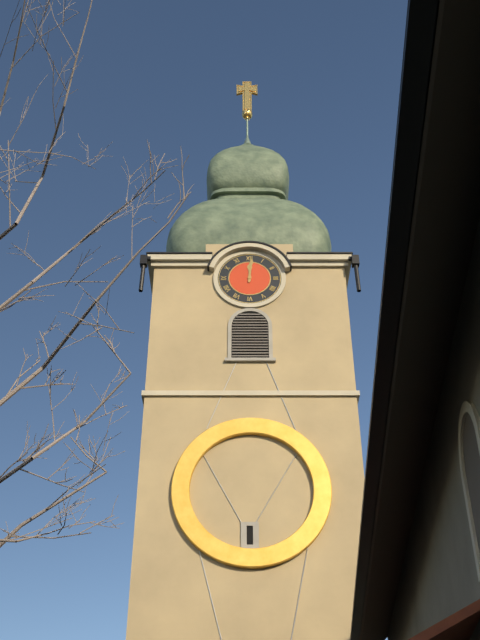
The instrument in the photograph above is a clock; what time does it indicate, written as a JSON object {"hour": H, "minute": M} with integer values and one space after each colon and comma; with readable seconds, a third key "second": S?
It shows {"hour": 12, "minute": 1}
